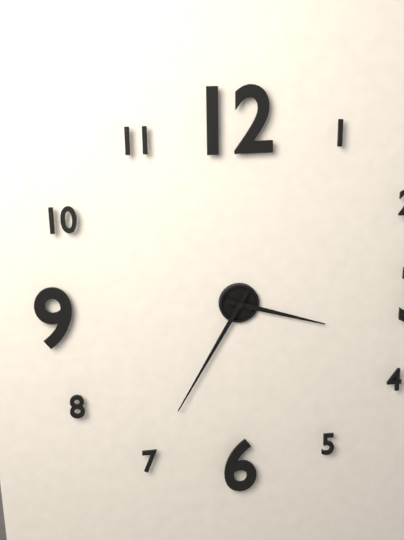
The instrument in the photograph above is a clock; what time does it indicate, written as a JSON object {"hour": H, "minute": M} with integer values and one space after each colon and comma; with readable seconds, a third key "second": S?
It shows {"hour": 3, "minute": 35}
